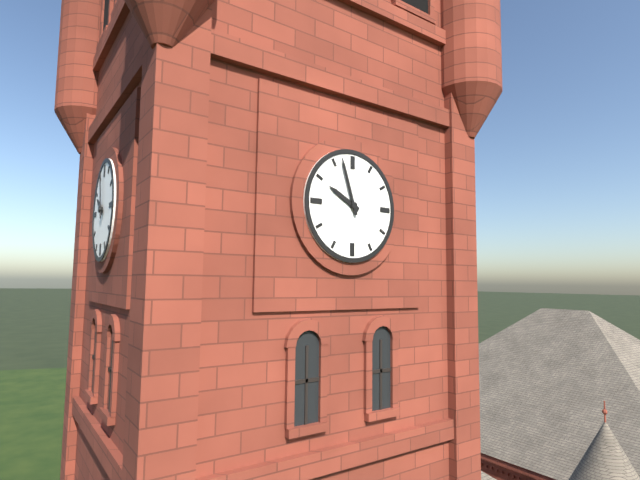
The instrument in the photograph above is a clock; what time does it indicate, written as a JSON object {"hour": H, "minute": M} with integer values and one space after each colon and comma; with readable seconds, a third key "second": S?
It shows {"hour": 9, "minute": 57}
